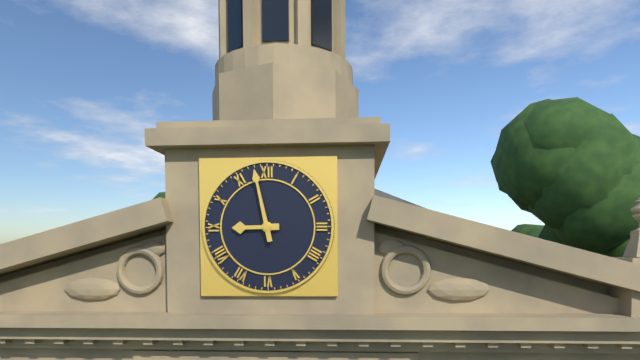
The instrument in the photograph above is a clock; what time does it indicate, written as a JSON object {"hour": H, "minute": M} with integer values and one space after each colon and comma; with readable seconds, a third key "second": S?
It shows {"hour": 8, "minute": 58}
